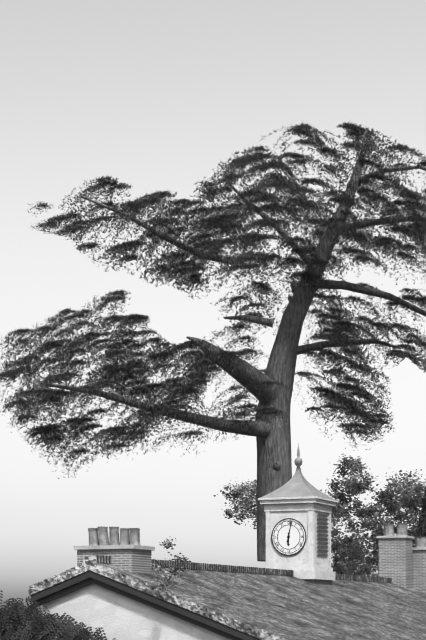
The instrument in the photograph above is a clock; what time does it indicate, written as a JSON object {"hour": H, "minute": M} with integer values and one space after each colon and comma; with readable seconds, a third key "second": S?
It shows {"hour": 6, "minute": 2}
